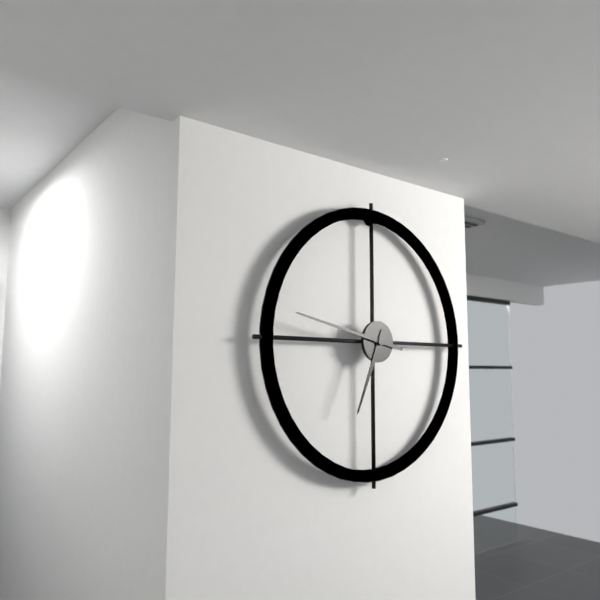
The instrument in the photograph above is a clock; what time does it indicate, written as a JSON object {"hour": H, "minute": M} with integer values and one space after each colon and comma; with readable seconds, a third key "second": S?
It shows {"hour": 6, "minute": 47}
